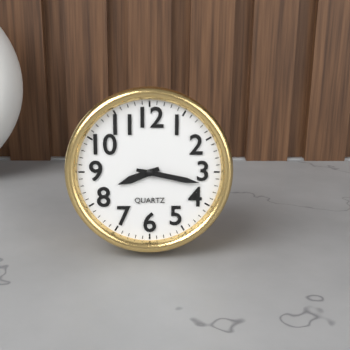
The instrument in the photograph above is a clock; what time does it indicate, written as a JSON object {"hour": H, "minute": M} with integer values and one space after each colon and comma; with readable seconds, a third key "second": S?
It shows {"hour": 8, "minute": 17}
